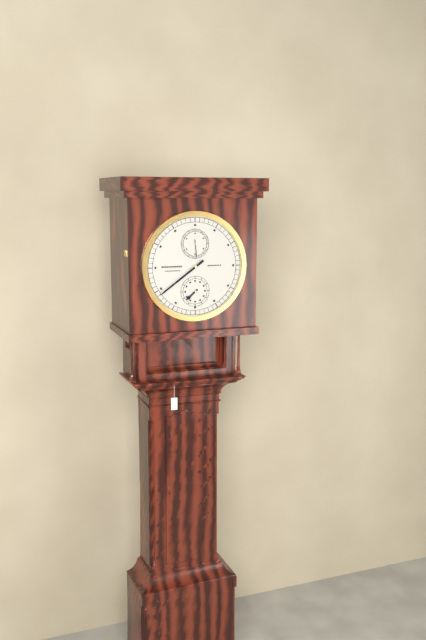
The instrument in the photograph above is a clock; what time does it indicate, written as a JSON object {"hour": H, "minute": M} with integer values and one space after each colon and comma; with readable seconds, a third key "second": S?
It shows {"hour": 7, "minute": 39}
